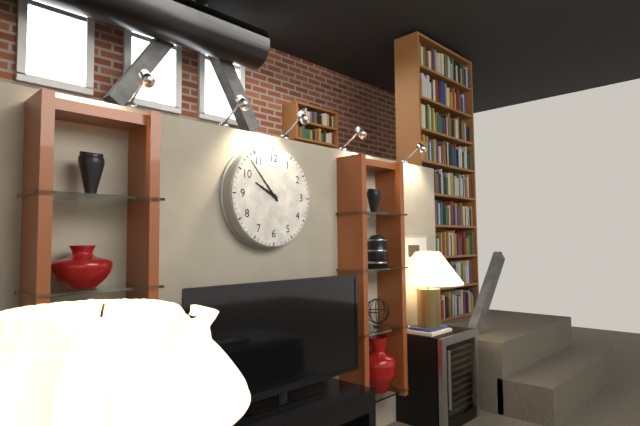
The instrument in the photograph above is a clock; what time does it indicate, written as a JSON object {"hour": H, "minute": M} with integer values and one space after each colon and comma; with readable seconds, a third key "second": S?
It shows {"hour": 9, "minute": 53}
